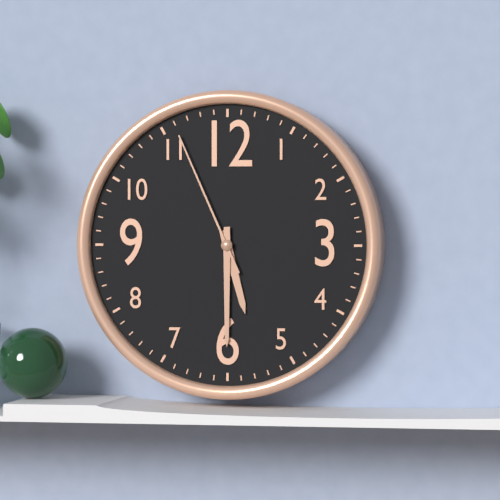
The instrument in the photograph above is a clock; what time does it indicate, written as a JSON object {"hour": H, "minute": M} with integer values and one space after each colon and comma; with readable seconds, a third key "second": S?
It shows {"hour": 5, "minute": 30, "second": 56}
